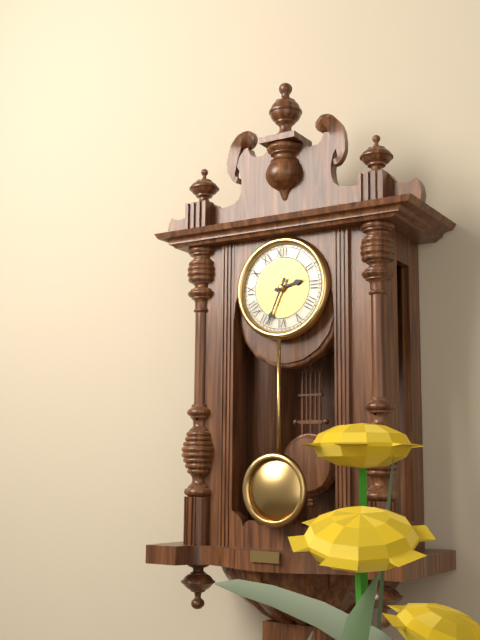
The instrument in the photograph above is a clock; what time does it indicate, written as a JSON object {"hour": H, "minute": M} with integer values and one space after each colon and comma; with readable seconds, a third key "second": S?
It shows {"hour": 2, "minute": 34}
